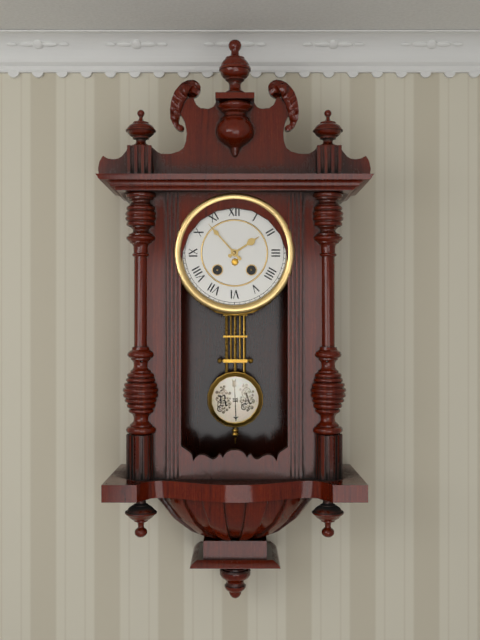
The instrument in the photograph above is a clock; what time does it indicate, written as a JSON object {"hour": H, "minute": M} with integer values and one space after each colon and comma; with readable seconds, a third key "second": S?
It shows {"hour": 1, "minute": 53}
